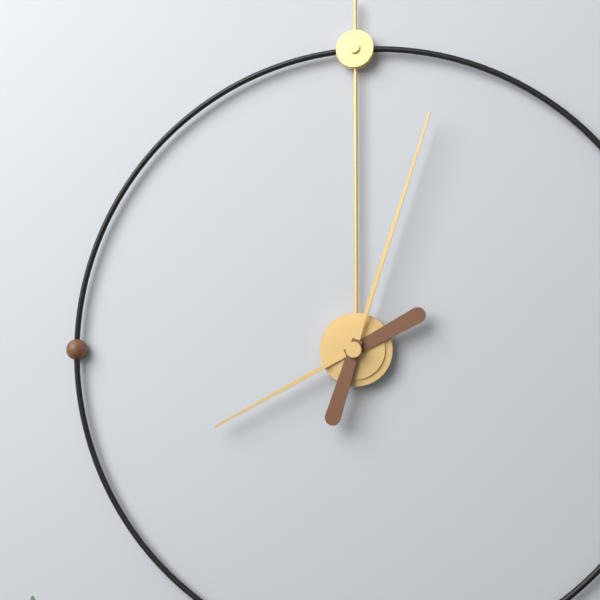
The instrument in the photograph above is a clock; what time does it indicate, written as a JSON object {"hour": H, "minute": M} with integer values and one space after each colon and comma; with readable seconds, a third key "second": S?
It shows {"hour": 8, "minute": 3}
